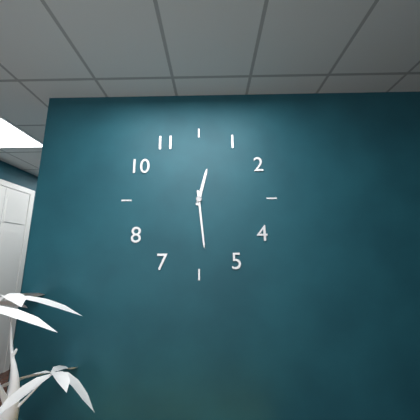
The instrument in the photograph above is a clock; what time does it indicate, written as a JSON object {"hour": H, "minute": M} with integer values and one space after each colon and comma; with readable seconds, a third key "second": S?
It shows {"hour": 12, "minute": 29}
